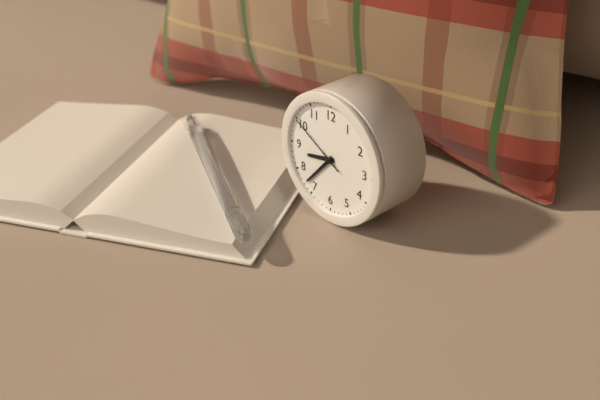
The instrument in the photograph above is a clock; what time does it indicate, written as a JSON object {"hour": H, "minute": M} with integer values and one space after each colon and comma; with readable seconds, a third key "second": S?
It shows {"hour": 8, "minute": 37, "second": 50}
